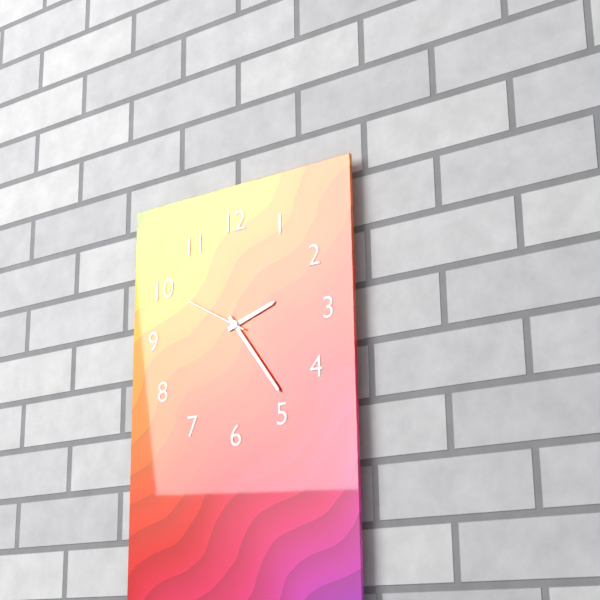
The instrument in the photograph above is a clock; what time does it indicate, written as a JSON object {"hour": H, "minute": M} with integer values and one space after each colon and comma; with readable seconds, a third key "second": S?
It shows {"hour": 2, "minute": 24, "second": 50}
